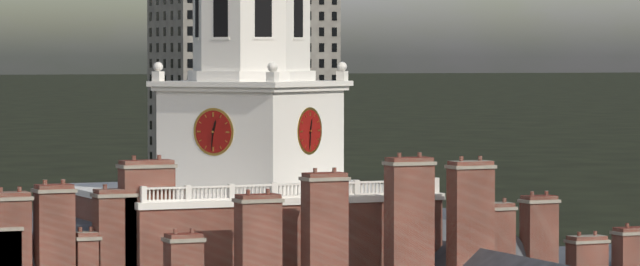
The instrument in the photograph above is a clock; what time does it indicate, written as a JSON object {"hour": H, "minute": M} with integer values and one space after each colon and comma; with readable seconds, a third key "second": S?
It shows {"hour": 12, "minute": 31}
